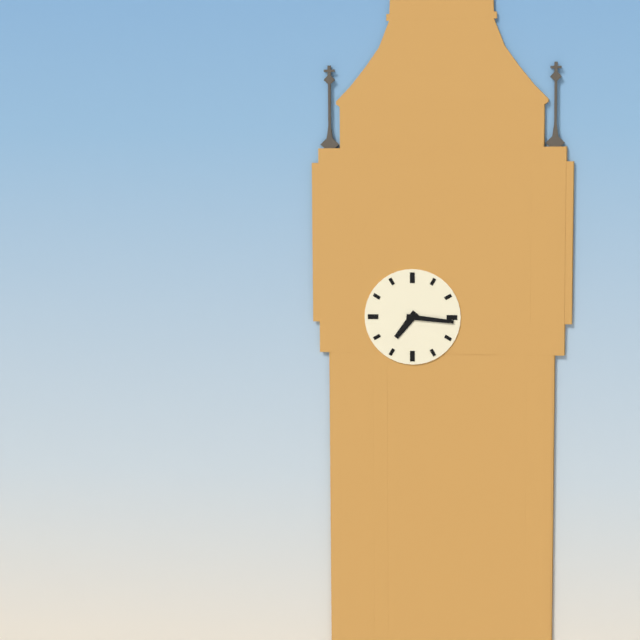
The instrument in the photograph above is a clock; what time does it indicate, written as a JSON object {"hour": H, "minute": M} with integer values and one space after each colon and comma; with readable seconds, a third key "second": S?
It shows {"hour": 7, "minute": 16}
